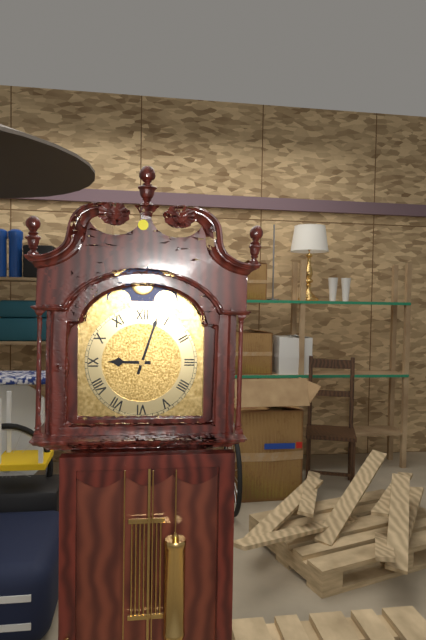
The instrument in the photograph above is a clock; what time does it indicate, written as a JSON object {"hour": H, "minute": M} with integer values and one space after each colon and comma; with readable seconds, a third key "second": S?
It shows {"hour": 9, "minute": 3}
